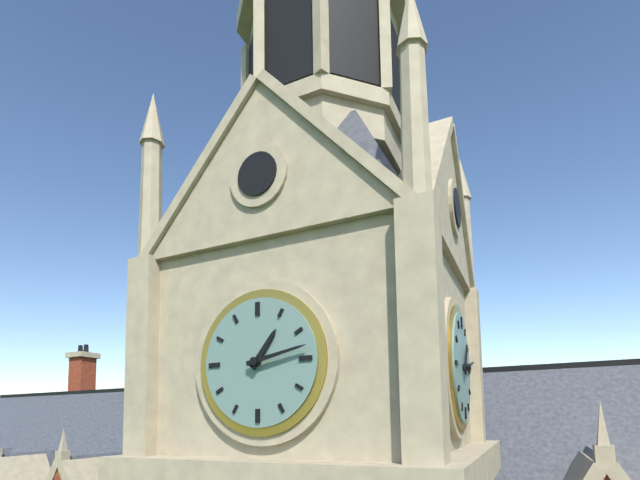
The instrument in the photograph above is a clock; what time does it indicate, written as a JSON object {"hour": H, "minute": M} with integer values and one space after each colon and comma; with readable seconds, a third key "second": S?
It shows {"hour": 1, "minute": 13}
